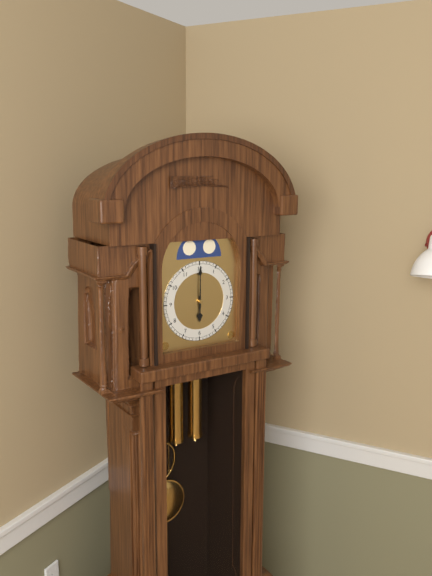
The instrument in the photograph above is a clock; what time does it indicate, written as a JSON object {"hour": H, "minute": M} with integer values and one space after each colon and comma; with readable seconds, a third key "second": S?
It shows {"hour": 6, "minute": 0}
